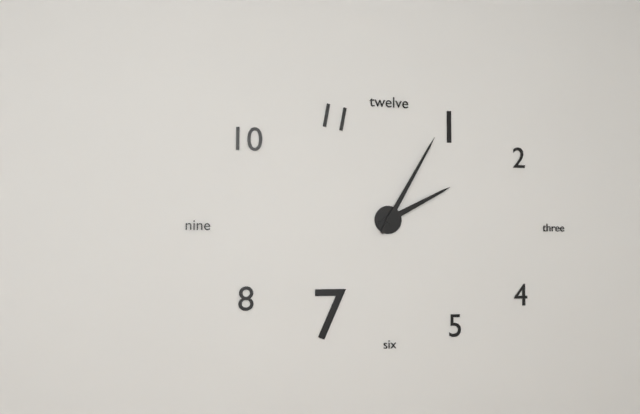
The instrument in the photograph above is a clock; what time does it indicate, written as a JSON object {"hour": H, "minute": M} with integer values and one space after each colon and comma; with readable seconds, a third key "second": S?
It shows {"hour": 2, "minute": 5}
